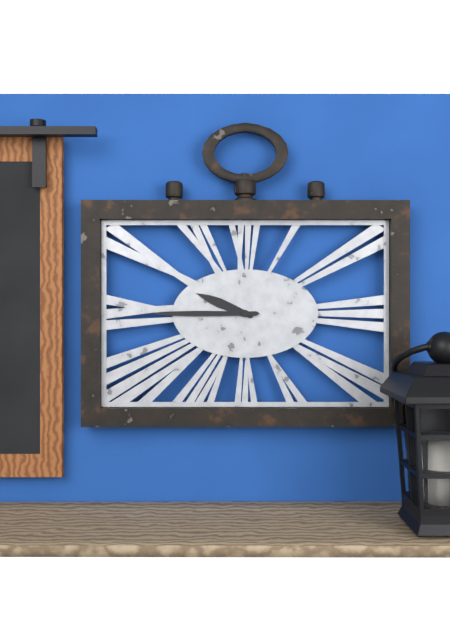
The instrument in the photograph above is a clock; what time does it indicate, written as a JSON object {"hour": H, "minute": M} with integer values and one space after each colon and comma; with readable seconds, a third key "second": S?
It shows {"hour": 9, "minute": 45}
